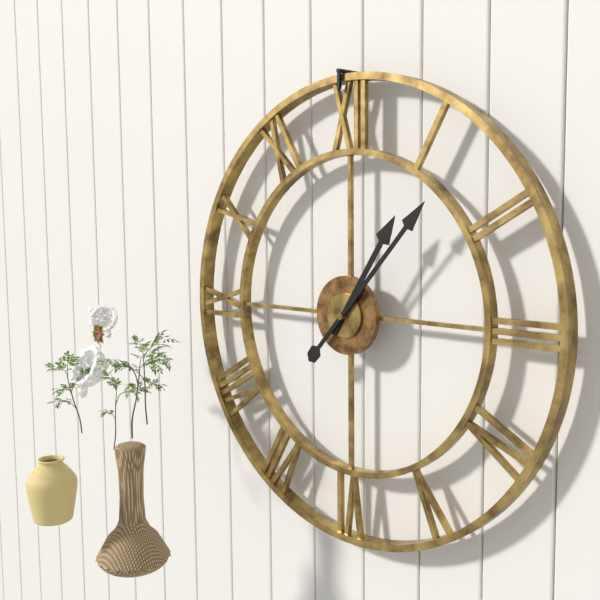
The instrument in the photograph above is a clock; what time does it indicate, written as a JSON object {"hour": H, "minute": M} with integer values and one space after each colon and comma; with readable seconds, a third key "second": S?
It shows {"hour": 1, "minute": 7}
